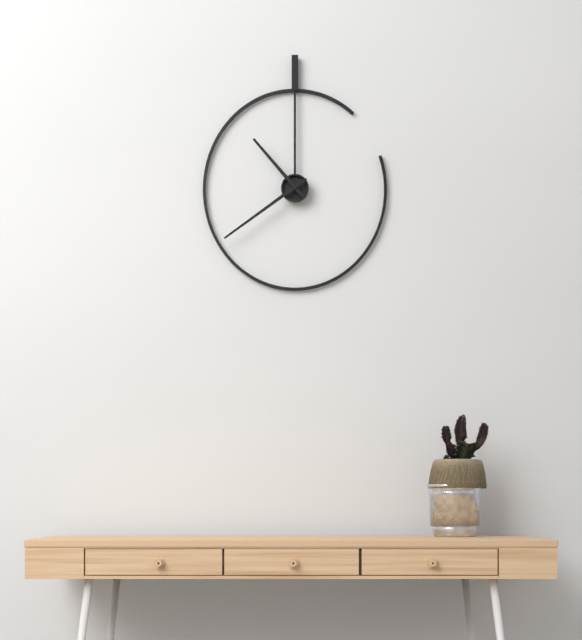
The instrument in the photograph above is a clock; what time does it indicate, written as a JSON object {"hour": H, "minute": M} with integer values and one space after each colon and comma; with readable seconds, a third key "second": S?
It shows {"hour": 10, "minute": 39}
